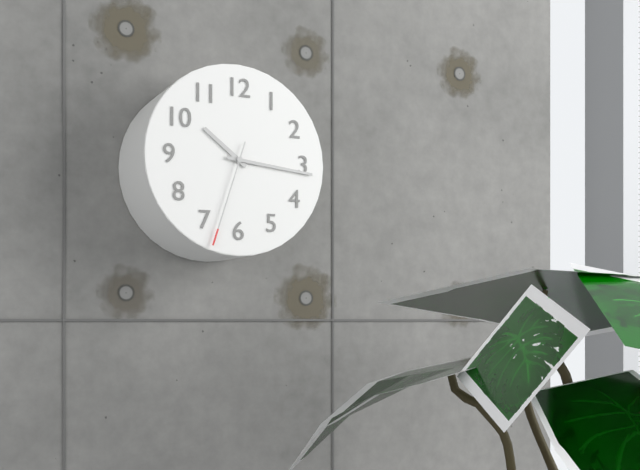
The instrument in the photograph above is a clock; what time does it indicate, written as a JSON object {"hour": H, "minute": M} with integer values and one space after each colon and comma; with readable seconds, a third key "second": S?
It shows {"hour": 10, "minute": 16, "second": 33}
